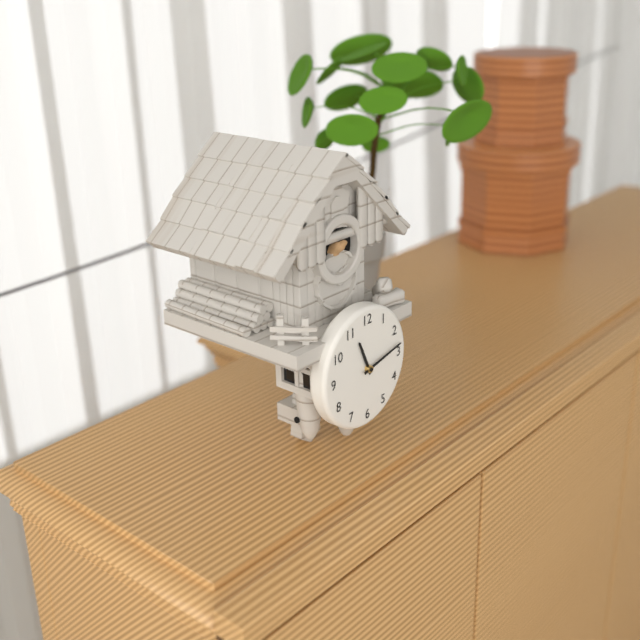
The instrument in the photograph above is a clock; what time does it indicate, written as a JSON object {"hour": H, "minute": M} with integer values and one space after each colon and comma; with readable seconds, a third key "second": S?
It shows {"hour": 11, "minute": 13}
